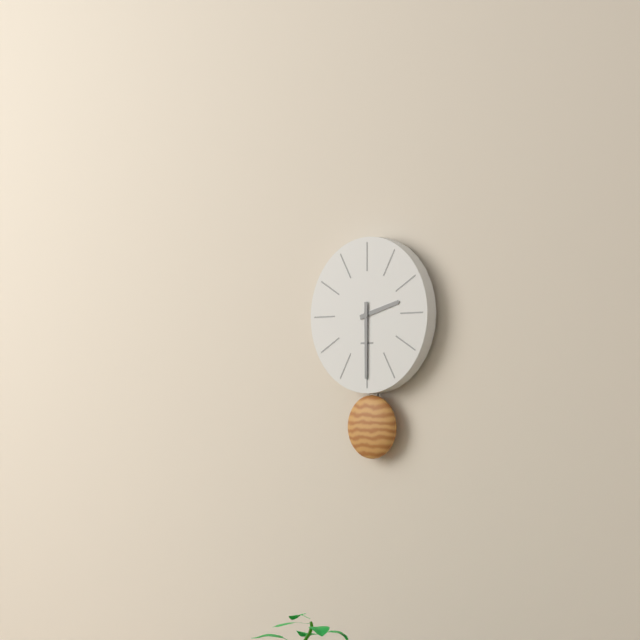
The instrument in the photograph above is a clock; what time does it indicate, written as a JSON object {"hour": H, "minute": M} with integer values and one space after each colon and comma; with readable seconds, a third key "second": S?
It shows {"hour": 2, "minute": 30}
